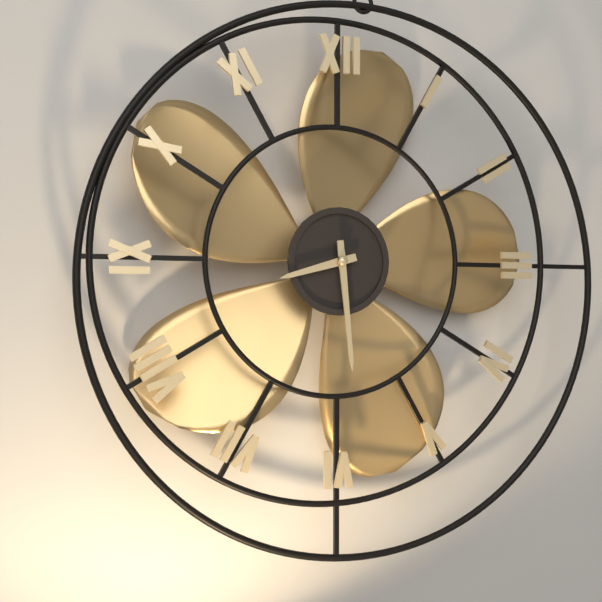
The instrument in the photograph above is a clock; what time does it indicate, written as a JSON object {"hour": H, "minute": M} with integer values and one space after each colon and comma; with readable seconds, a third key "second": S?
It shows {"hour": 8, "minute": 29}
